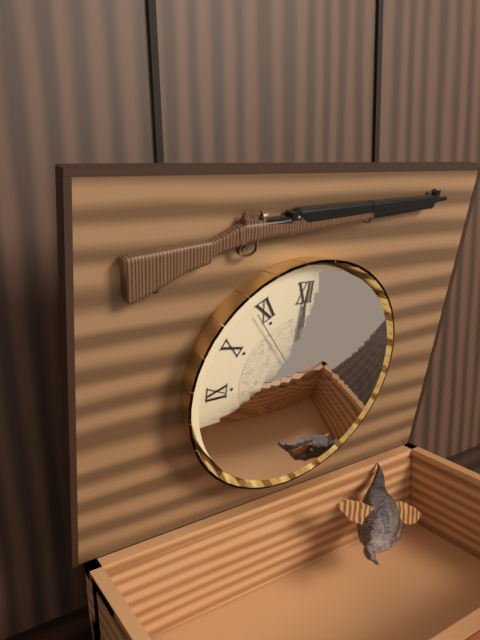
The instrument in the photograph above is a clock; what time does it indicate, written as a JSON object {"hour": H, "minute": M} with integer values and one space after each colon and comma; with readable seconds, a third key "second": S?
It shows {"hour": 5, "minute": 0, "second": 54}
